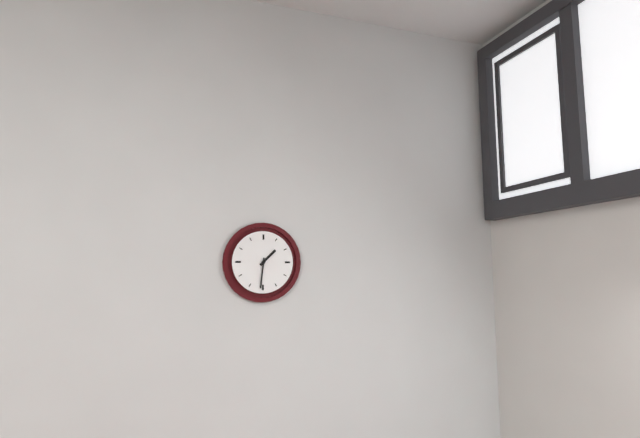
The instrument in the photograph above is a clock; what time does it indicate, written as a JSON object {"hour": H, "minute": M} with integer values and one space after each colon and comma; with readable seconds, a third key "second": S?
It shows {"hour": 1, "minute": 31}
